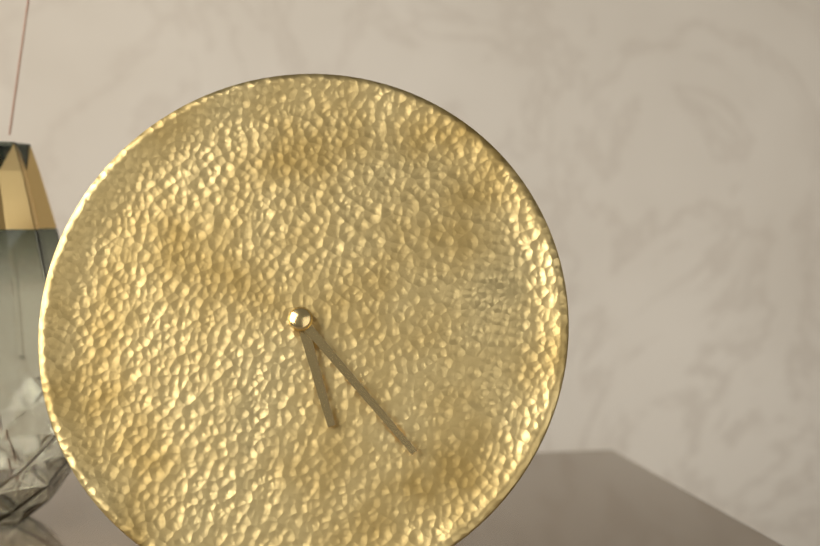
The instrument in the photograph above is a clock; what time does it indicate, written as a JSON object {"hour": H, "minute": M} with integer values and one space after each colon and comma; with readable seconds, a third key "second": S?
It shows {"hour": 5, "minute": 23}
